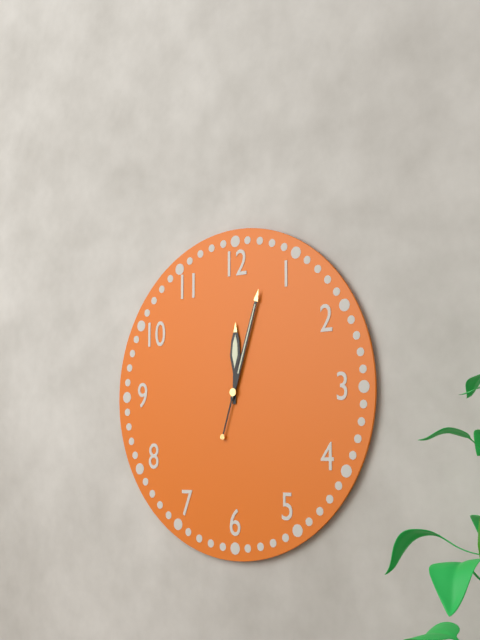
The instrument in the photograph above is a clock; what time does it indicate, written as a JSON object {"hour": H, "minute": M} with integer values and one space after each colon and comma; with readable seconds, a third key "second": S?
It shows {"hour": 12, "minute": 3}
